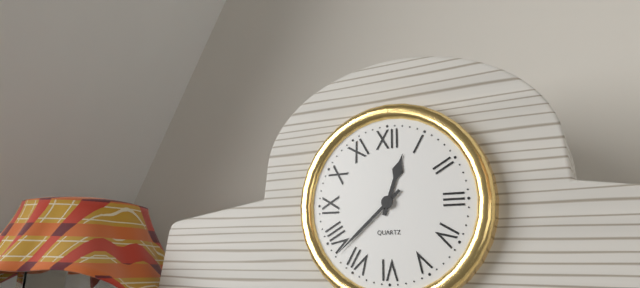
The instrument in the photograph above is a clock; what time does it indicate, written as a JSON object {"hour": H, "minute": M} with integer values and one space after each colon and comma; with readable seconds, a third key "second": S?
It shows {"hour": 12, "minute": 38}
